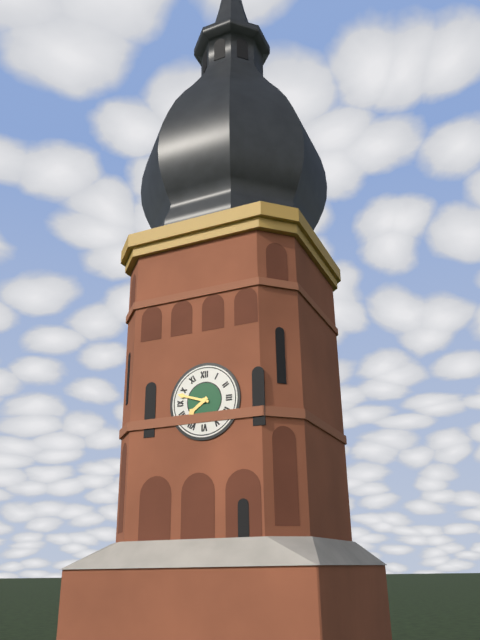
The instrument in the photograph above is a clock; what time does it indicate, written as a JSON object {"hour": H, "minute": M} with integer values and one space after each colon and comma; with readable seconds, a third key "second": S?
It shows {"hour": 7, "minute": 48}
